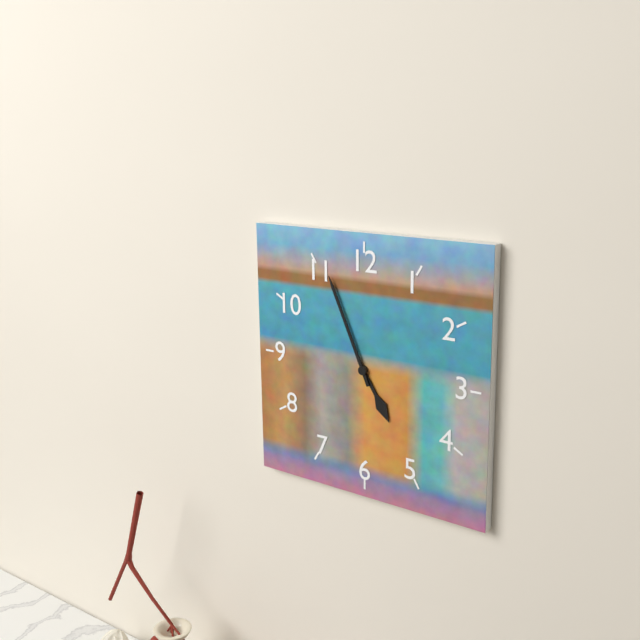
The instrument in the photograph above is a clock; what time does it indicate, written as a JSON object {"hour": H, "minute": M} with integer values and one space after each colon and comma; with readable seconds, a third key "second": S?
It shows {"hour": 4, "minute": 56}
